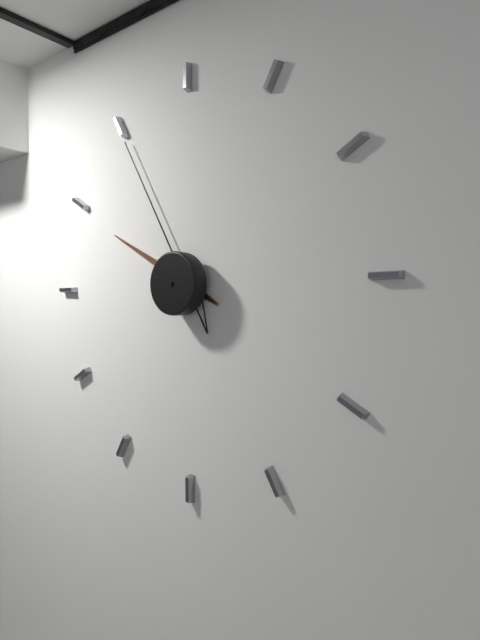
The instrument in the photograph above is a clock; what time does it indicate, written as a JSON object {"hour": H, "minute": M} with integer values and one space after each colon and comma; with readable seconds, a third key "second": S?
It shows {"hour": 9, "minute": 55}
